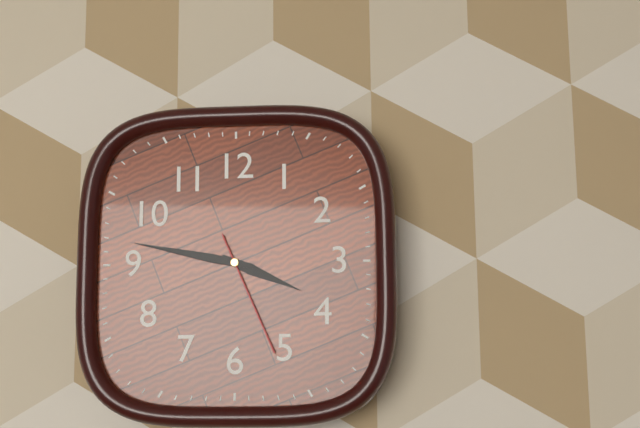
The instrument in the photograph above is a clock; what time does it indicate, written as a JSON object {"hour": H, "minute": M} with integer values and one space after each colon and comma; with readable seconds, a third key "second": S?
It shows {"hour": 3, "minute": 47, "second": 26}
